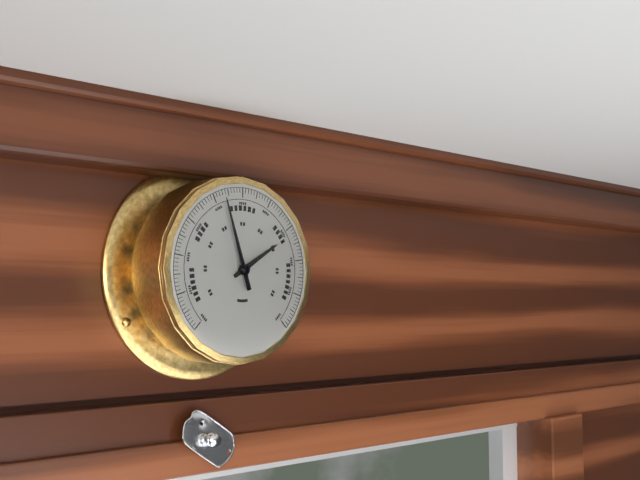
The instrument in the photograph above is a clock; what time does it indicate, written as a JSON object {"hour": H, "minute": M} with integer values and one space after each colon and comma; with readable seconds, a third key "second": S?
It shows {"hour": 1, "minute": 57}
